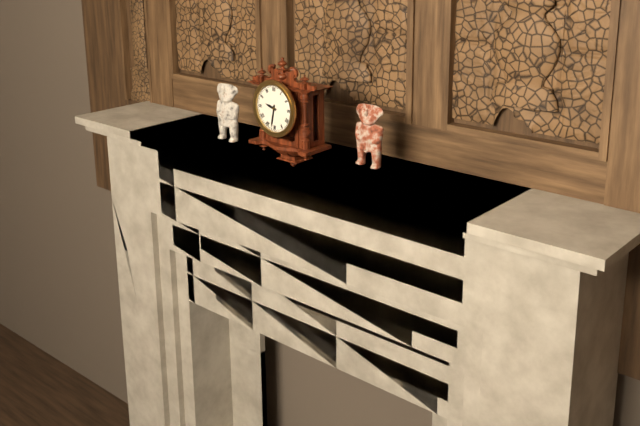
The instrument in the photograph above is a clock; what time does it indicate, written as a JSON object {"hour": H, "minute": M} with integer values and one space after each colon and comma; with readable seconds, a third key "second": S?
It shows {"hour": 9, "minute": 32}
